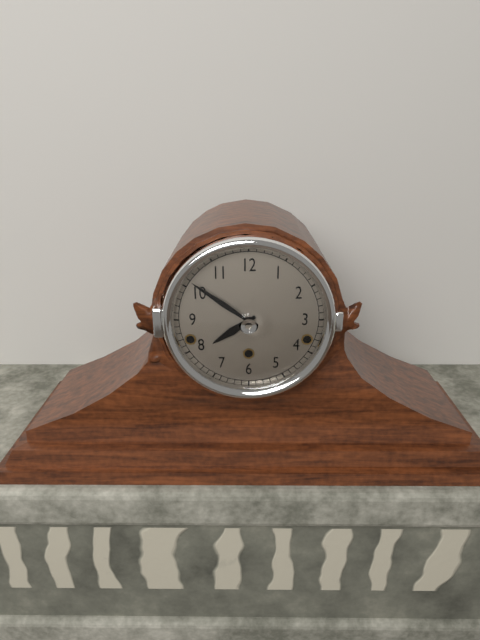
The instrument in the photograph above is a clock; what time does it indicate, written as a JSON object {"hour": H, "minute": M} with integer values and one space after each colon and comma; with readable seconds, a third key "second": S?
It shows {"hour": 7, "minute": 51}
